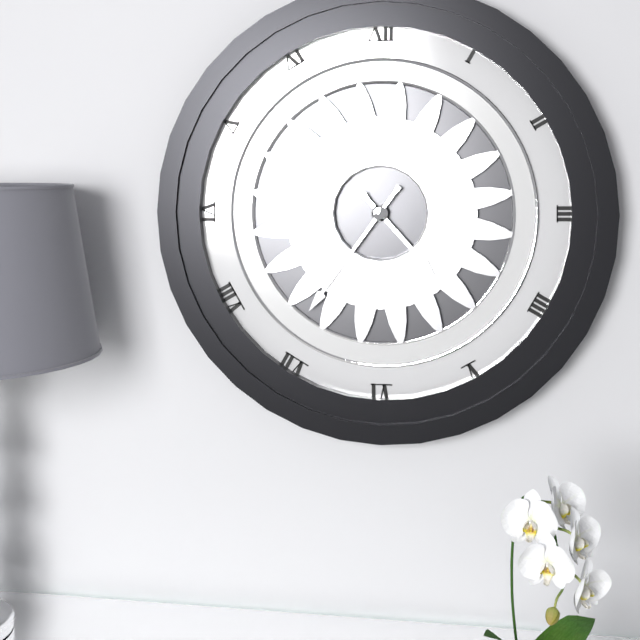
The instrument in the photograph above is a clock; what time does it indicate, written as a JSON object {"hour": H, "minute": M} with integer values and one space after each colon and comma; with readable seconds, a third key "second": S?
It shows {"hour": 4, "minute": 36}
